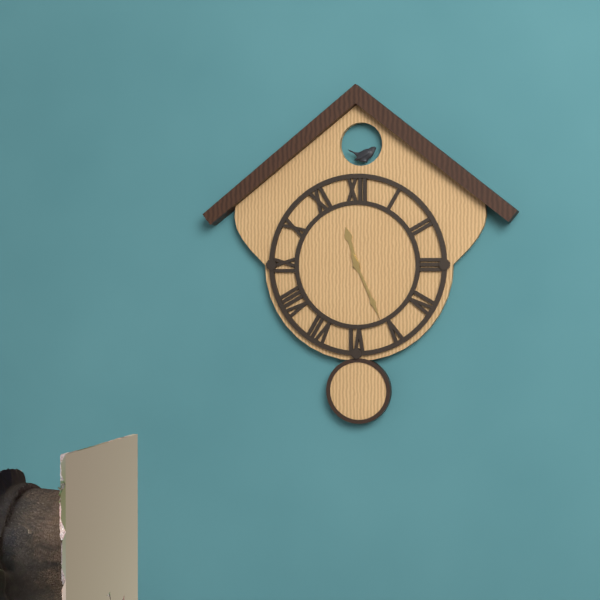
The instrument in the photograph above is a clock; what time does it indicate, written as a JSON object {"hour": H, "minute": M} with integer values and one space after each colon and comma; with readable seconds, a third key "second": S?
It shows {"hour": 11, "minute": 26}
